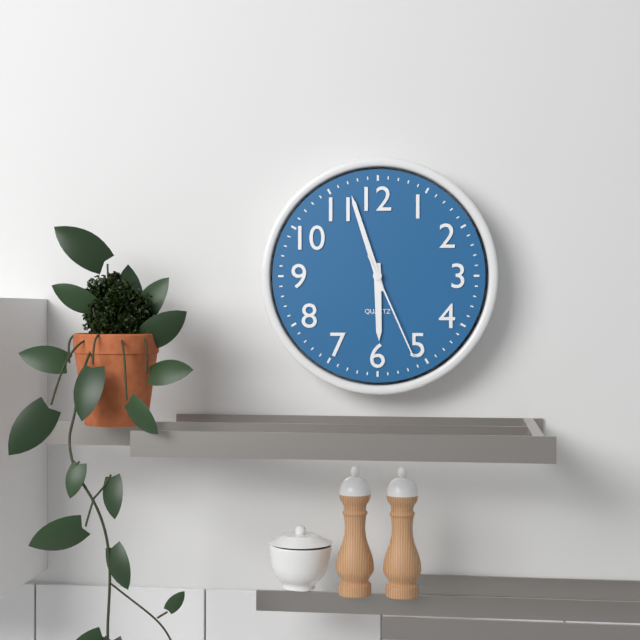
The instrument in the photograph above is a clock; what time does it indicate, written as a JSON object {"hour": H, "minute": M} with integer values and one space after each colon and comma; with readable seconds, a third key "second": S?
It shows {"hour": 5, "minute": 57, "second": 26}
